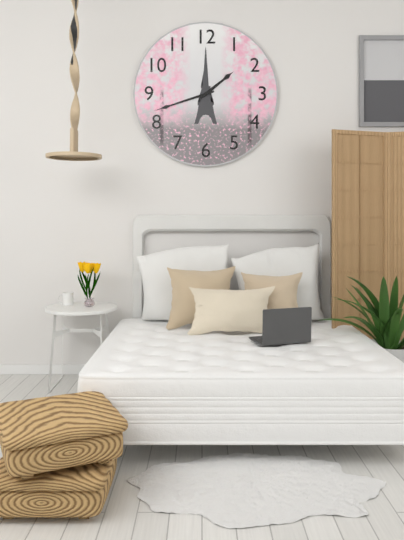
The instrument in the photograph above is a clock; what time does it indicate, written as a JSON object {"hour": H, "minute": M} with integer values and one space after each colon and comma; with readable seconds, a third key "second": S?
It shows {"hour": 1, "minute": 42}
